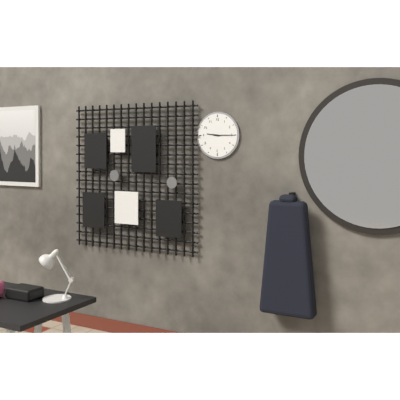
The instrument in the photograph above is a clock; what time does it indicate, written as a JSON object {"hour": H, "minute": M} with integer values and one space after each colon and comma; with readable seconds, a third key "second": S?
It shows {"hour": 9, "minute": 15}
